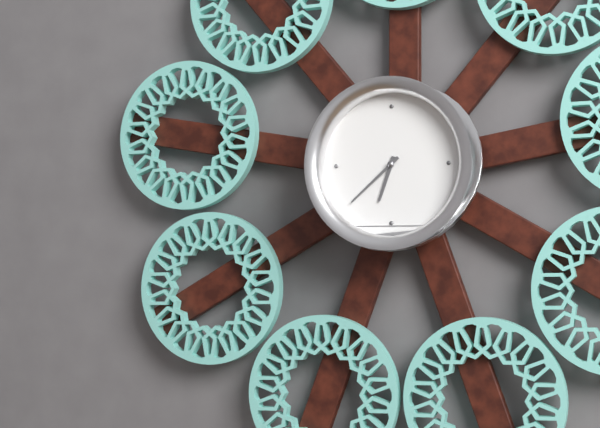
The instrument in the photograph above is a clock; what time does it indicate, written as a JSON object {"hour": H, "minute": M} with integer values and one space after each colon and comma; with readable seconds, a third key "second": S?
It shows {"hour": 6, "minute": 38}
